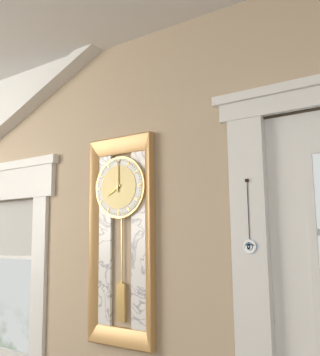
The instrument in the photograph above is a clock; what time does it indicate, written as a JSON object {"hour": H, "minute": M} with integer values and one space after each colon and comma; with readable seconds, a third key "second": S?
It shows {"hour": 8, "minute": 0}
